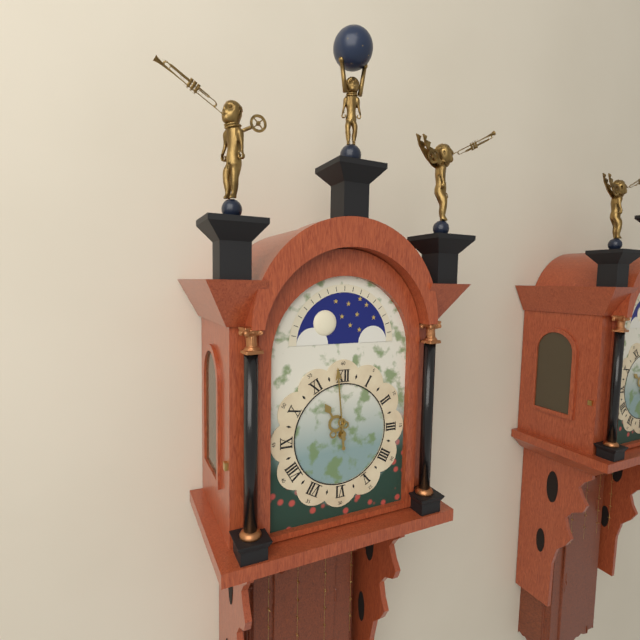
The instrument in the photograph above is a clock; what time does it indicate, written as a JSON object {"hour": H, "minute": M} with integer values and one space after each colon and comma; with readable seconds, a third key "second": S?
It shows {"hour": 10, "minute": 59}
